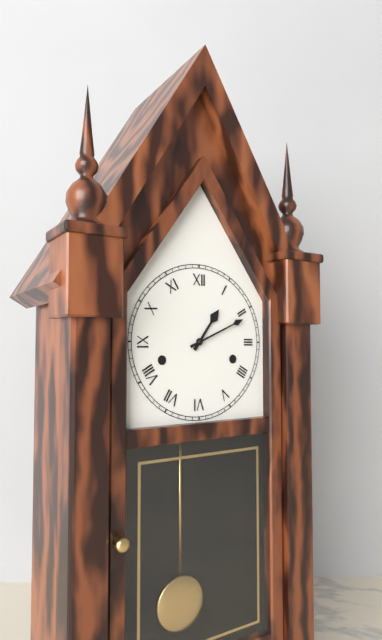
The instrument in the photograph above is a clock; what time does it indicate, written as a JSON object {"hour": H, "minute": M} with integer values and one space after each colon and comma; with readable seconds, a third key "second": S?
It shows {"hour": 1, "minute": 11}
